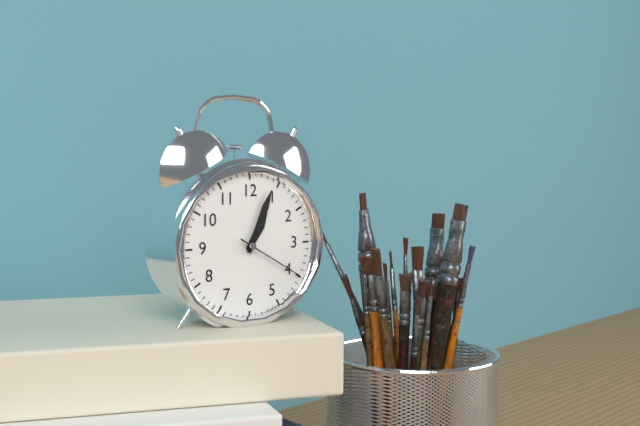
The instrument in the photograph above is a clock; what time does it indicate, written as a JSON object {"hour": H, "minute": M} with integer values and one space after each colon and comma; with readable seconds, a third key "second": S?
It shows {"hour": 1, "minute": 4, "second": 20}
